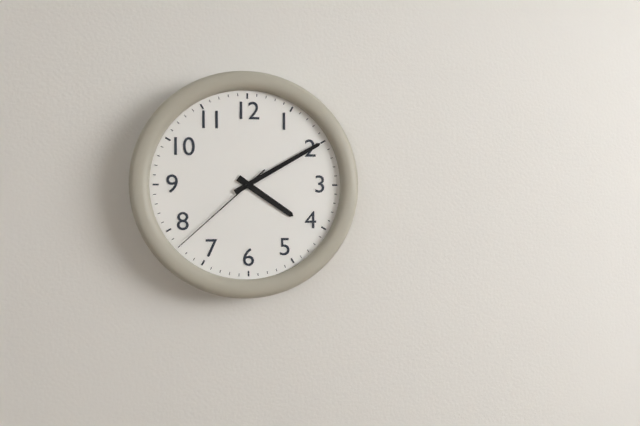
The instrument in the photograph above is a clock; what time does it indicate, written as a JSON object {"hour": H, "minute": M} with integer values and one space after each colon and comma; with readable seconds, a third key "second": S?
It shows {"hour": 4, "minute": 10, "second": 38}
